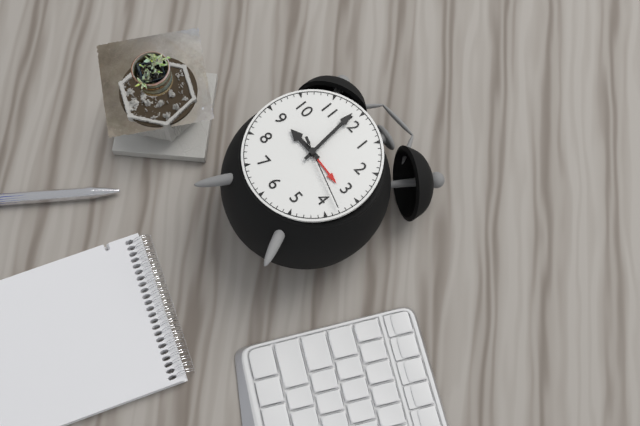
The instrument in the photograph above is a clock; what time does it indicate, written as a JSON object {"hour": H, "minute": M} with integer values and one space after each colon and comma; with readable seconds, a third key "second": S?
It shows {"hour": 8, "minute": 59, "second": 18}
